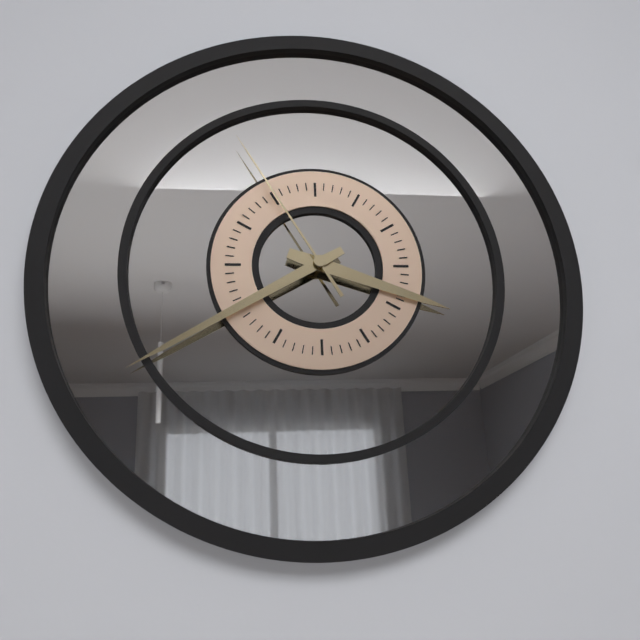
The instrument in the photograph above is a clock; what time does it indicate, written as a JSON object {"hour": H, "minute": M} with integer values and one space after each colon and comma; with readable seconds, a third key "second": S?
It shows {"hour": 3, "minute": 40, "second": 55}
